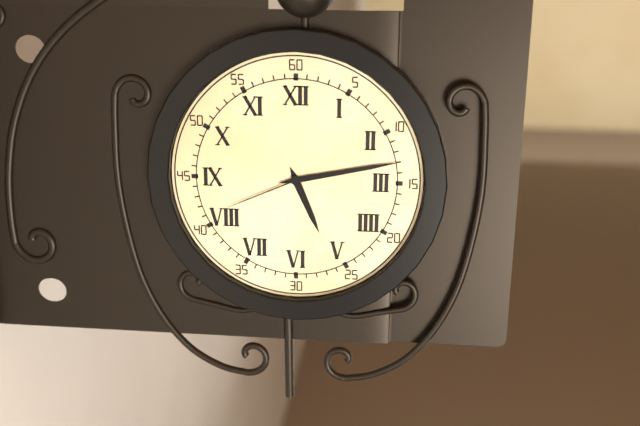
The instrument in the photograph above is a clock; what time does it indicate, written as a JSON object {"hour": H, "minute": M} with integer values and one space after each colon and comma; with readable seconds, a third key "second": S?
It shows {"hour": 5, "minute": 13, "second": 41}
